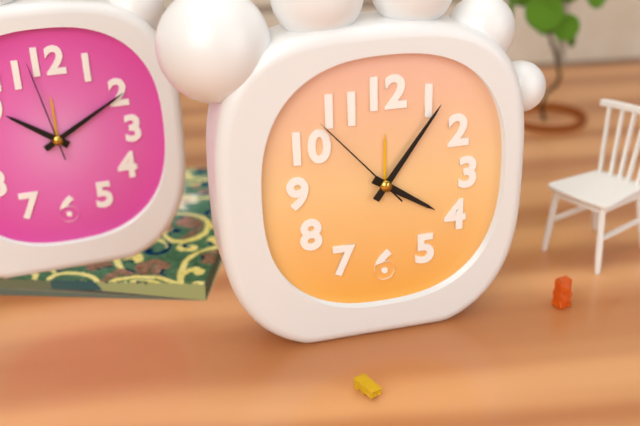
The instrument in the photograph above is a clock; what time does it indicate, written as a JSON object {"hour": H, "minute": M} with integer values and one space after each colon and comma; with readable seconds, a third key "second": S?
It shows {"hour": 4, "minute": 6, "second": 53}
